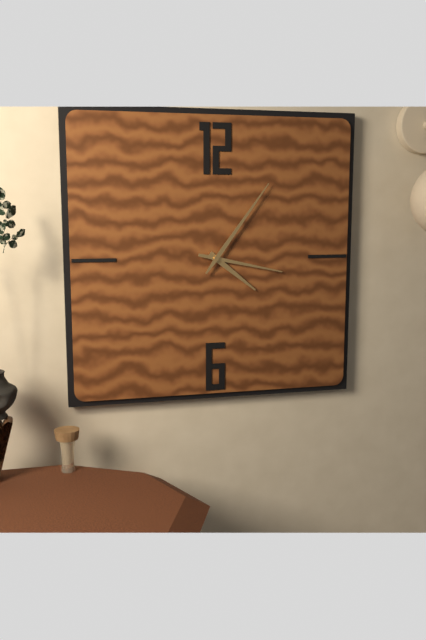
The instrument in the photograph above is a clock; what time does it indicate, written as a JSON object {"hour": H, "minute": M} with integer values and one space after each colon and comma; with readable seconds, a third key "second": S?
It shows {"hour": 4, "minute": 17, "second": 6}
